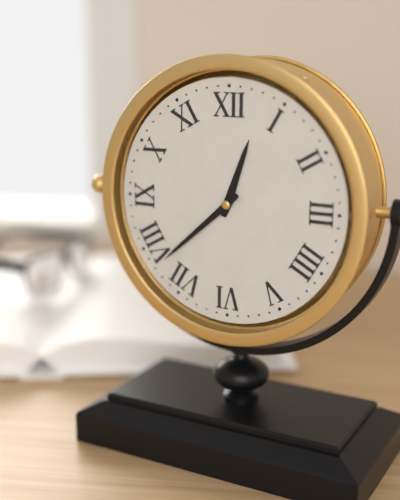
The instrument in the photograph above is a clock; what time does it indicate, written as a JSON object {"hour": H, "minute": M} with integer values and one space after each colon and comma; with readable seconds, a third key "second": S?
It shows {"hour": 12, "minute": 38}
